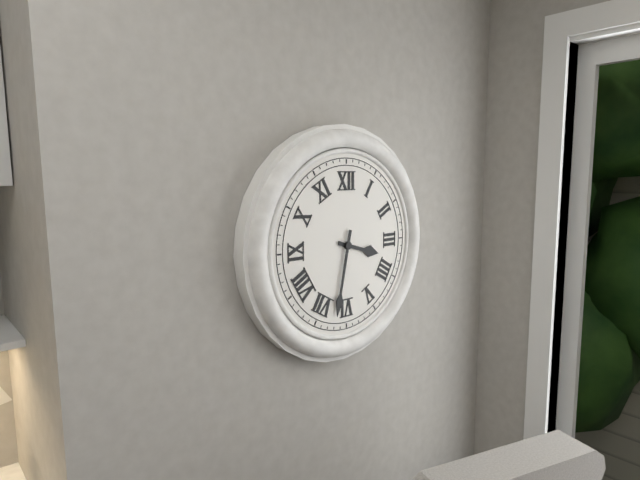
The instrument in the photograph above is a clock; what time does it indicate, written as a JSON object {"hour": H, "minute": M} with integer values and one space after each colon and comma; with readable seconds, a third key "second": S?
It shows {"hour": 3, "minute": 32}
